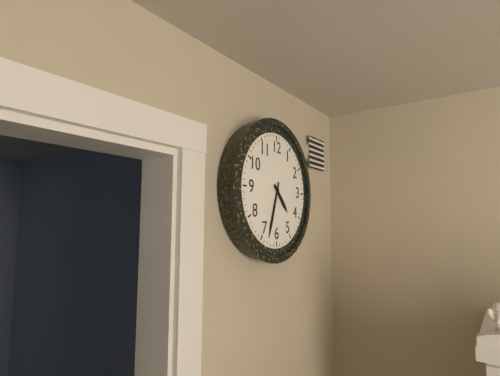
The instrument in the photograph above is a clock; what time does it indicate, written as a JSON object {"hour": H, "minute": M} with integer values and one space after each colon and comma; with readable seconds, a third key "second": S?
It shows {"hour": 4, "minute": 33}
